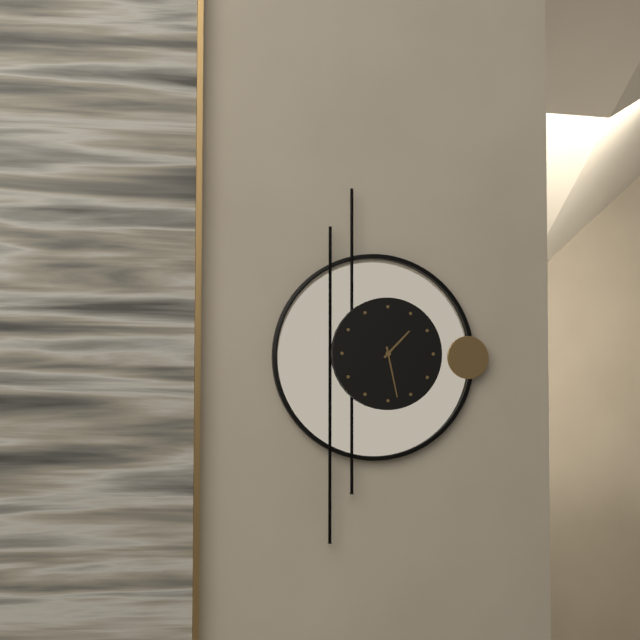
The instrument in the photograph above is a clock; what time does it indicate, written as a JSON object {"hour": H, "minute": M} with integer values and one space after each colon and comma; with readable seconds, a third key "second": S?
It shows {"hour": 1, "minute": 28}
